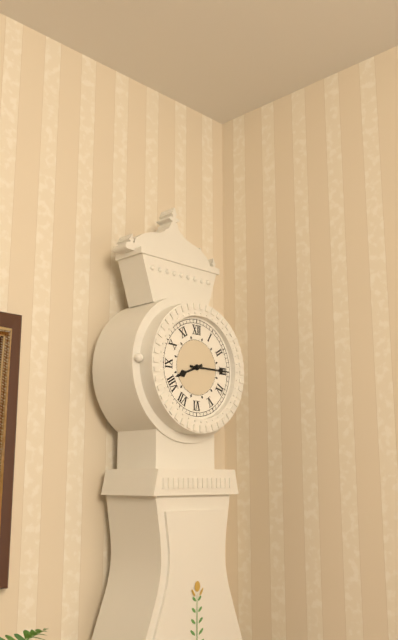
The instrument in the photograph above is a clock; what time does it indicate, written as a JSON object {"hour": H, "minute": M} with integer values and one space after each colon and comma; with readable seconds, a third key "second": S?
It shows {"hour": 8, "minute": 15}
